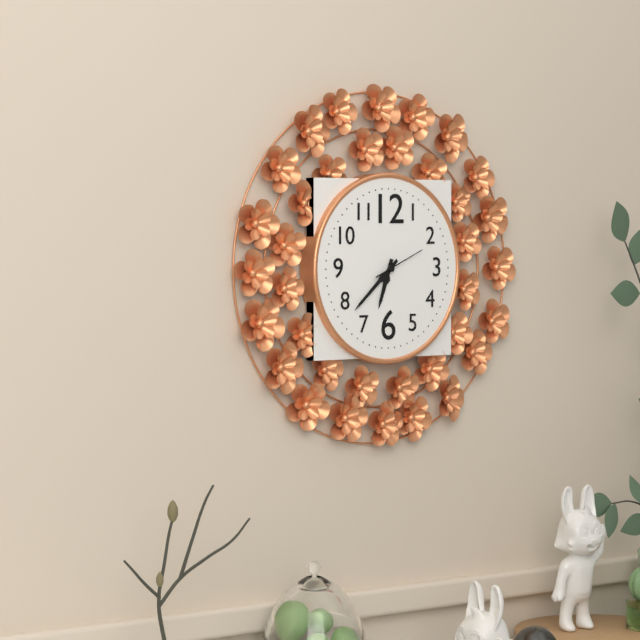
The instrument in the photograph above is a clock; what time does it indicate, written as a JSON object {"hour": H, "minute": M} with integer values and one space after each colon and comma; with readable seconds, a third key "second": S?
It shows {"hour": 6, "minute": 38}
